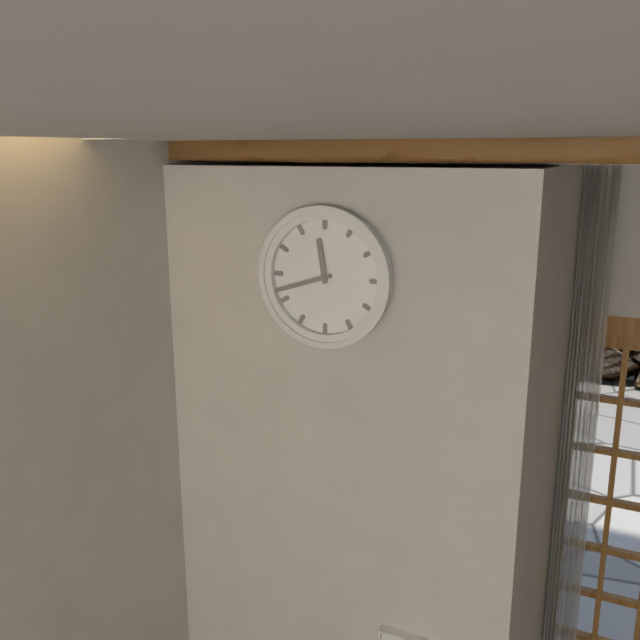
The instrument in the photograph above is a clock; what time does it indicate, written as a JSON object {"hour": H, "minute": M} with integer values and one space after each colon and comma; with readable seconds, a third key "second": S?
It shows {"hour": 11, "minute": 42}
